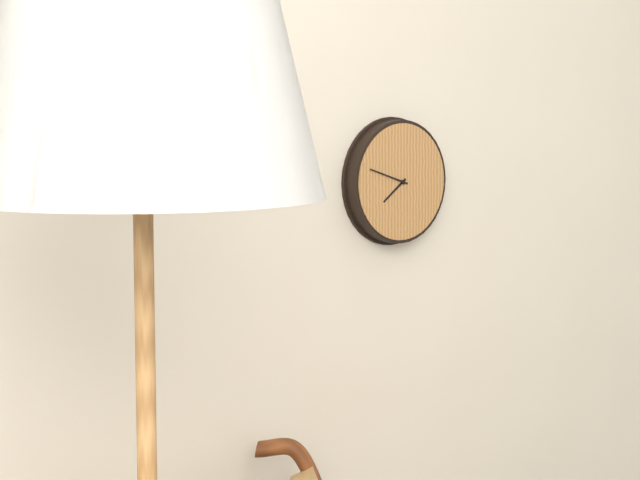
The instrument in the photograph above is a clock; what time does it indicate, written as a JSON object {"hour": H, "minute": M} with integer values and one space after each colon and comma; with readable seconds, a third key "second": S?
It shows {"hour": 7, "minute": 48}
